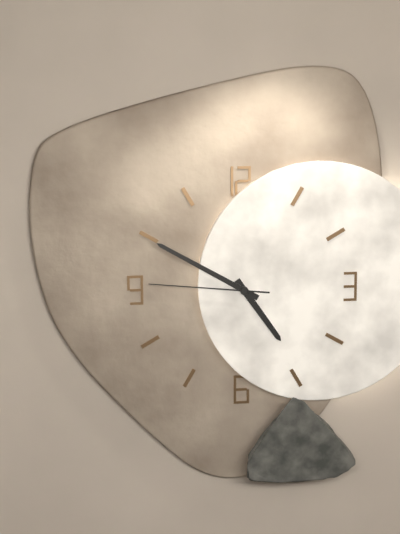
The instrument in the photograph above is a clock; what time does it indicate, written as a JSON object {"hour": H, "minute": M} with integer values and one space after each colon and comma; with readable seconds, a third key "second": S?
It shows {"hour": 4, "minute": 50, "second": 46}
